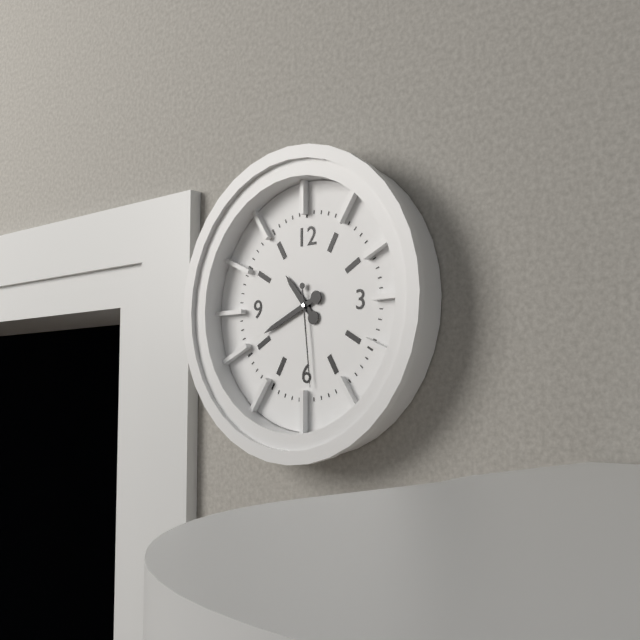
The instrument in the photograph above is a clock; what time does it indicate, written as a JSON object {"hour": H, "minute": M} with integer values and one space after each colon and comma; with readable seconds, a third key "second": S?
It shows {"hour": 10, "minute": 41, "second": 29}
